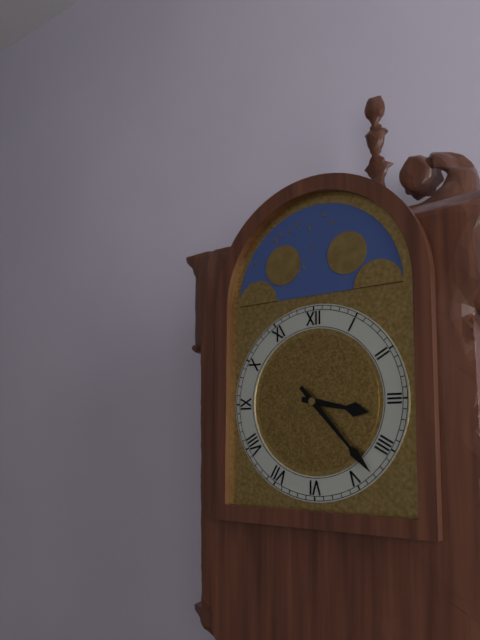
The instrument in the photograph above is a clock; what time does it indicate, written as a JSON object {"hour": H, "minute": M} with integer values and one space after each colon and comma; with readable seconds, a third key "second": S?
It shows {"hour": 3, "minute": 23}
